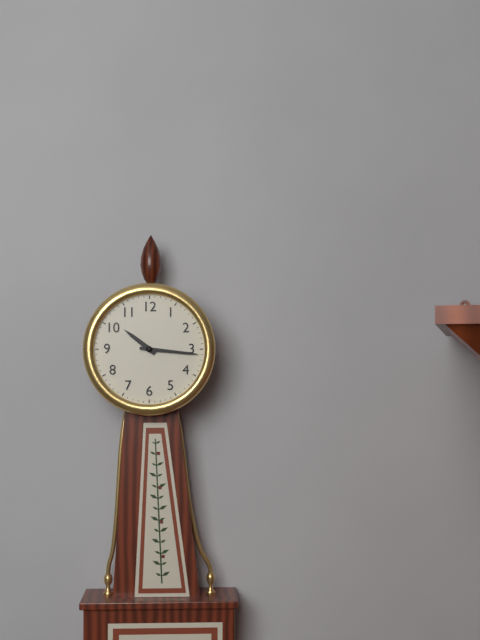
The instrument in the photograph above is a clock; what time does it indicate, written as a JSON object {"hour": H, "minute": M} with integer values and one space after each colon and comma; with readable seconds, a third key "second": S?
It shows {"hour": 10, "minute": 16}
